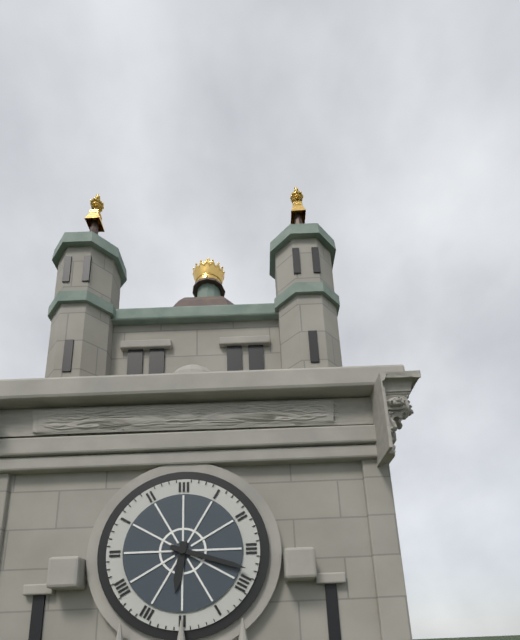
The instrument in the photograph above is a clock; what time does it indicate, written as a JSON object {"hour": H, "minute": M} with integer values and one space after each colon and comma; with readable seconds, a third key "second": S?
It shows {"hour": 6, "minute": 18}
